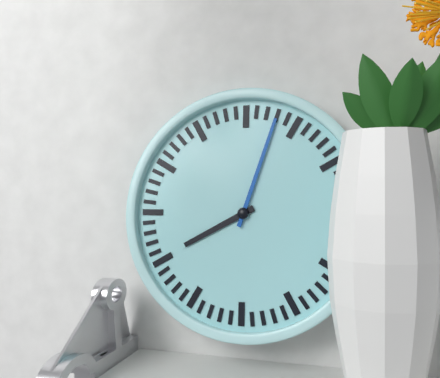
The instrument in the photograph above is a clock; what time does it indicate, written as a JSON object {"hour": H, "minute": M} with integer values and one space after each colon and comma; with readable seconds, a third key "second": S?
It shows {"hour": 8, "minute": 3}
